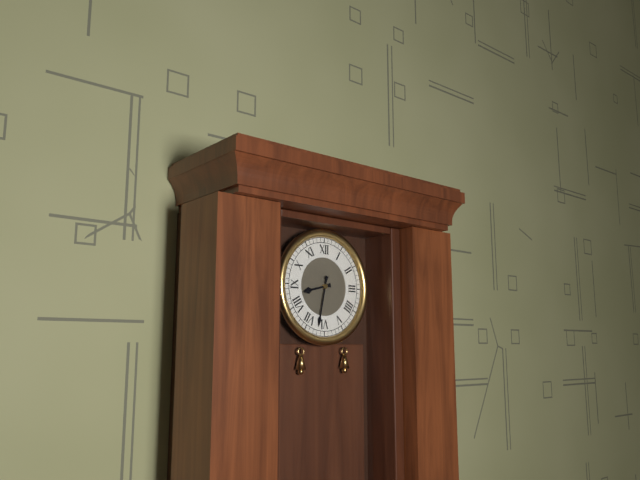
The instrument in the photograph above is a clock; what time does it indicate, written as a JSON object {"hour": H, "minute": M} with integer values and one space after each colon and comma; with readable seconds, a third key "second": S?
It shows {"hour": 8, "minute": 32}
